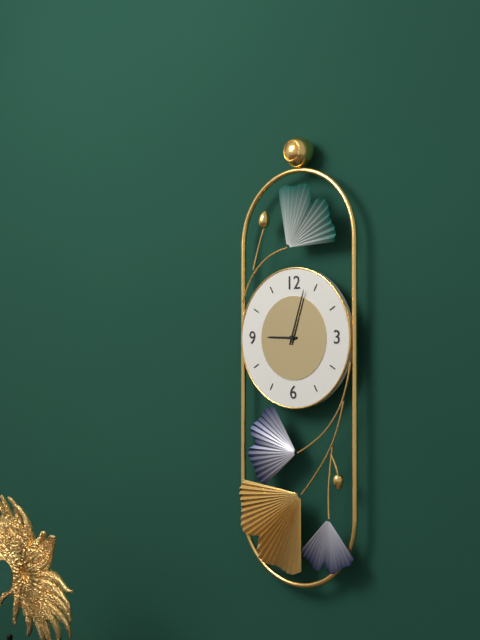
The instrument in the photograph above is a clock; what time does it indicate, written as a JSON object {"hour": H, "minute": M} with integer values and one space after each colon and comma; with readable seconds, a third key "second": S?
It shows {"hour": 9, "minute": 3}
